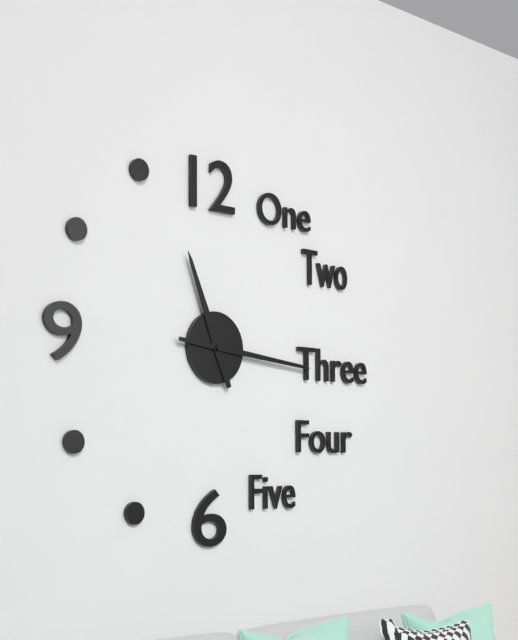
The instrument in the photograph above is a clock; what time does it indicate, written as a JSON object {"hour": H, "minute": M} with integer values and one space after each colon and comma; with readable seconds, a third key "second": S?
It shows {"hour": 11, "minute": 16}
